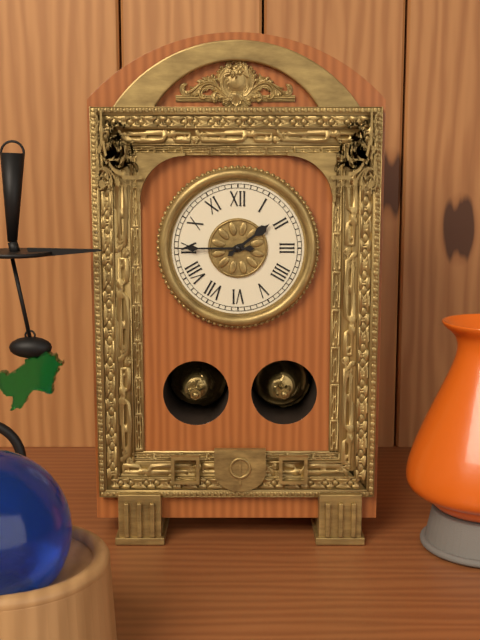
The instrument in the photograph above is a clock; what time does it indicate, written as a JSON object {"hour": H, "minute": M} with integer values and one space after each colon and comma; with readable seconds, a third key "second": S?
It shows {"hour": 1, "minute": 45}
